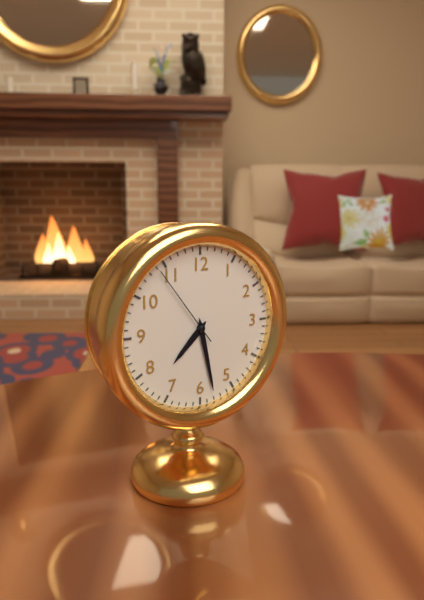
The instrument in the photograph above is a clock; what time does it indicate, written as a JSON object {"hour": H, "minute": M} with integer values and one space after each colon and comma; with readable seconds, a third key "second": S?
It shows {"hour": 7, "minute": 28, "second": 54}
